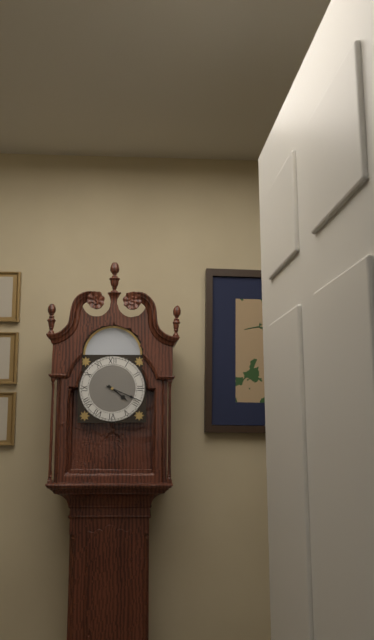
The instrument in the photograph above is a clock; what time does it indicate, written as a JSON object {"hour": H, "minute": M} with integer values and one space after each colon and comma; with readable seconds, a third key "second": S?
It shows {"hour": 4, "minute": 19}
